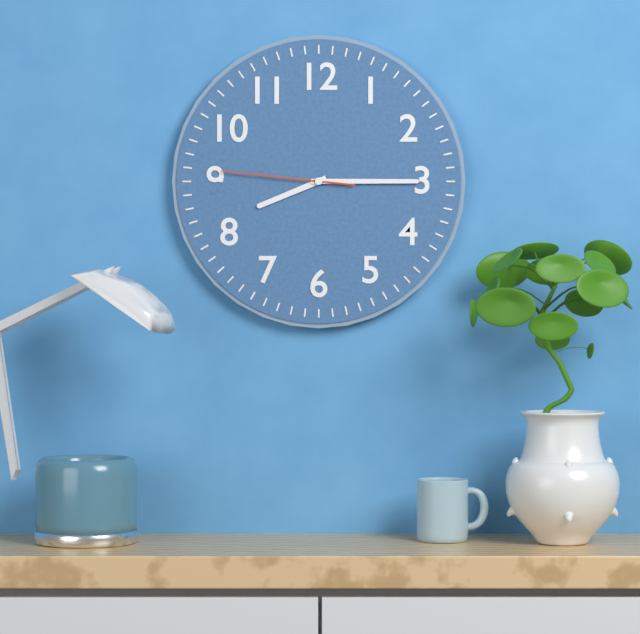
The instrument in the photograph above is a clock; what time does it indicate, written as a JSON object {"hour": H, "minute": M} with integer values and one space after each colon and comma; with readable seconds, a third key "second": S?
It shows {"hour": 8, "minute": 15, "second": 46}
